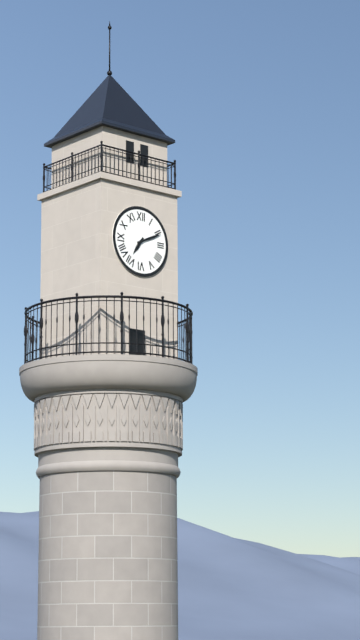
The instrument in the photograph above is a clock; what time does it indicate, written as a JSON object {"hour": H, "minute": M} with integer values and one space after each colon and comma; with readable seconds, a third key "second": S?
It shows {"hour": 7, "minute": 11}
